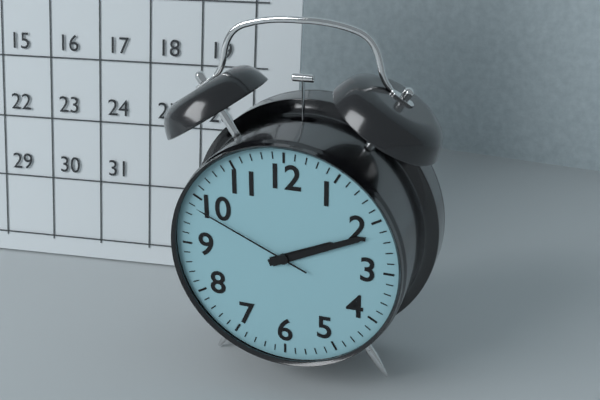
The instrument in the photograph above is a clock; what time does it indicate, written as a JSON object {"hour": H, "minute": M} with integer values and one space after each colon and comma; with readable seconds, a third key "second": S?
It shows {"hour": 2, "minute": 11, "second": 49}
